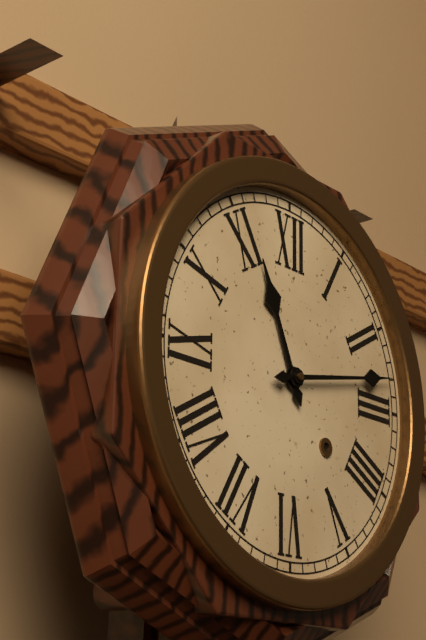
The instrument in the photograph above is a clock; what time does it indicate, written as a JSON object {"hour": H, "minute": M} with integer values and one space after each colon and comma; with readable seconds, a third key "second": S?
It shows {"hour": 11, "minute": 13}
